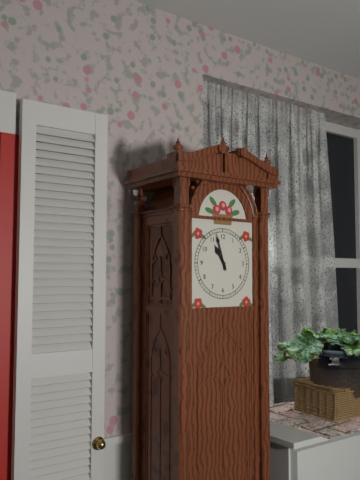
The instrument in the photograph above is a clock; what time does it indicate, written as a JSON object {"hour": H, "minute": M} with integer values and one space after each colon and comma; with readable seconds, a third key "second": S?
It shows {"hour": 10, "minute": 57}
